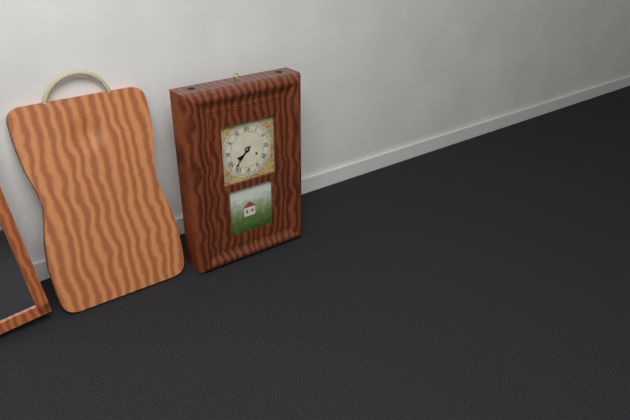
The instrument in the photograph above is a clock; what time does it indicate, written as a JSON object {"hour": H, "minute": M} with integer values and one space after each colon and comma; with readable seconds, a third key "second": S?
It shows {"hour": 7, "minute": 37}
